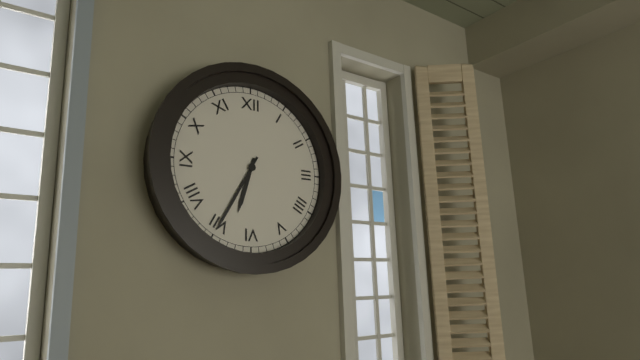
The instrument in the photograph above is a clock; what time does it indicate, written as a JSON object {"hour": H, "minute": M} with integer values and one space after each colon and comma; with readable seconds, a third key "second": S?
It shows {"hour": 6, "minute": 35}
